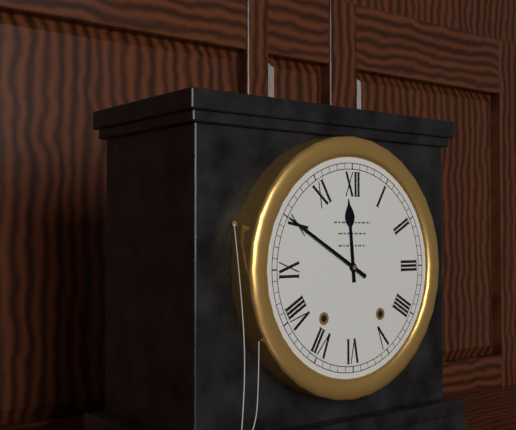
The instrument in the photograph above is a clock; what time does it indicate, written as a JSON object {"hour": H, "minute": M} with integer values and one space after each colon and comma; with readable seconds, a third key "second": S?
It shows {"hour": 11, "minute": 50}
